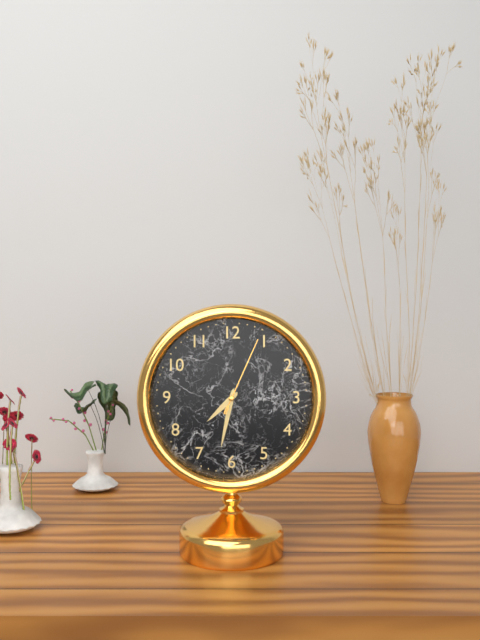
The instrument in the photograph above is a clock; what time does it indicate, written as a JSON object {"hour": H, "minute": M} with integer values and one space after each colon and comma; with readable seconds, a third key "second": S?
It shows {"hour": 7, "minute": 32, "second": 4}
